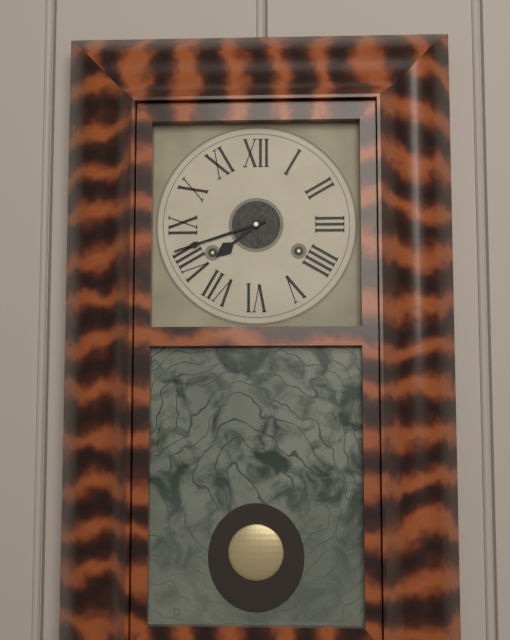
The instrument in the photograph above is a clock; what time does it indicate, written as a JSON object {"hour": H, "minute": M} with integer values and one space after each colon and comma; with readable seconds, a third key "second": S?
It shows {"hour": 7, "minute": 42}
